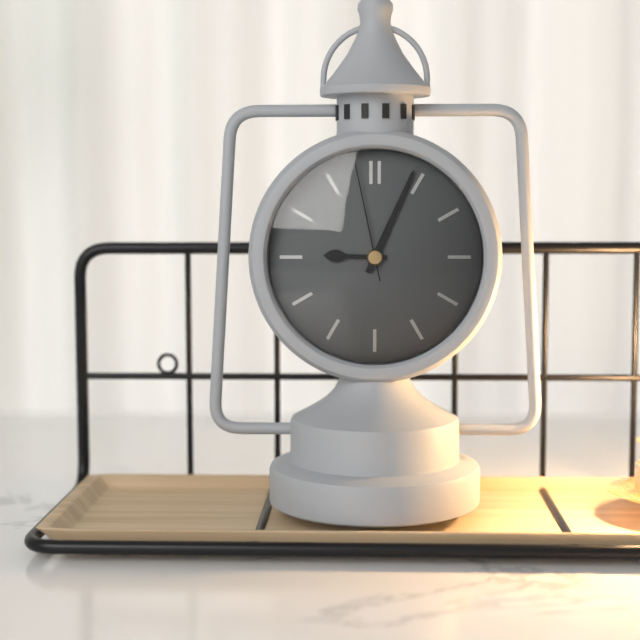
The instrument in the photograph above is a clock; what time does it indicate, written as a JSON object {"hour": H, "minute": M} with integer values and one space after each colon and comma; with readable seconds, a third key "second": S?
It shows {"hour": 9, "minute": 4, "second": 58}
